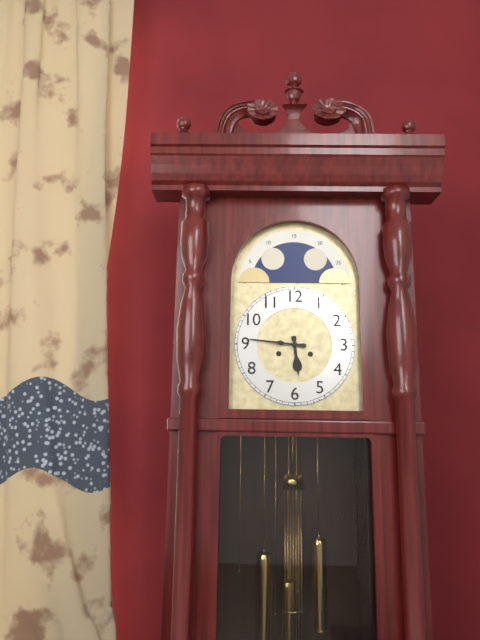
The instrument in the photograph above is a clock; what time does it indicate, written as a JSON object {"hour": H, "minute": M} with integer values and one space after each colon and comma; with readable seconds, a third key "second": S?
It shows {"hour": 5, "minute": 46}
